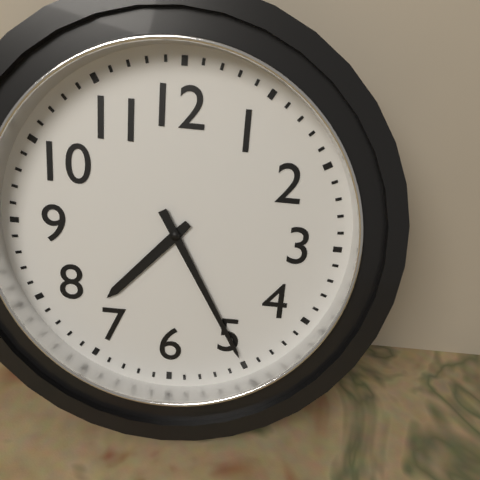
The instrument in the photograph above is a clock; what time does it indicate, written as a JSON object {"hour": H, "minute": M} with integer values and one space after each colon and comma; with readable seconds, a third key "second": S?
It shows {"hour": 7, "minute": 25}
